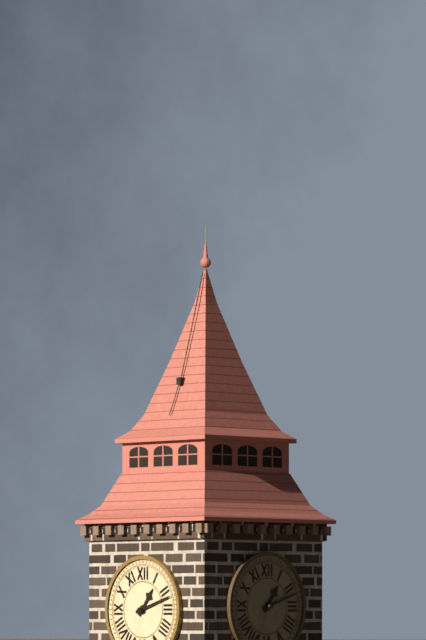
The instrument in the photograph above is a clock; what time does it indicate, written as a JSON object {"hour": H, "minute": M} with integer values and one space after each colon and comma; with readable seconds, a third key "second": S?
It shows {"hour": 1, "minute": 12}
